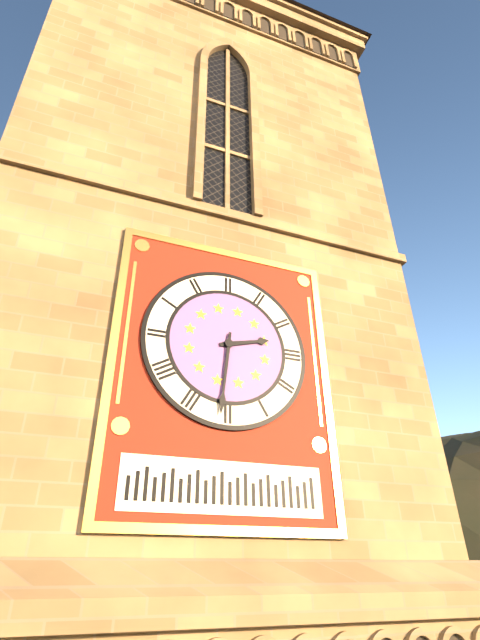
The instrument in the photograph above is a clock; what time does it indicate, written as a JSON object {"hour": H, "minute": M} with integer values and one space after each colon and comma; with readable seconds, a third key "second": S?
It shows {"hour": 2, "minute": 31}
